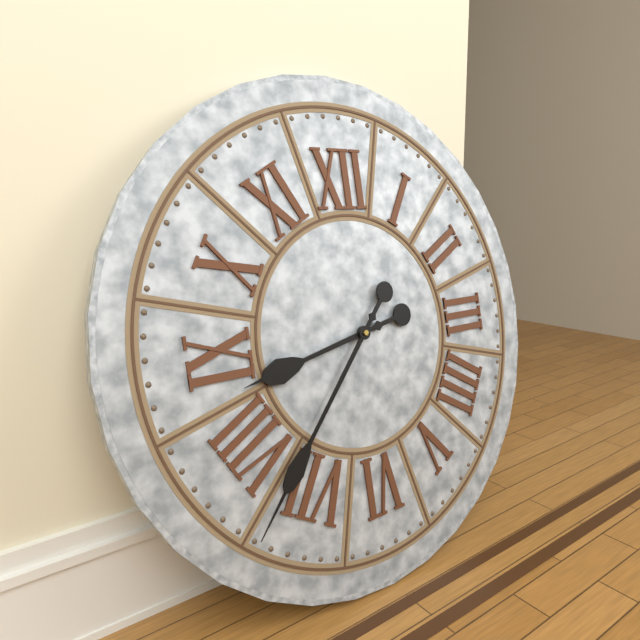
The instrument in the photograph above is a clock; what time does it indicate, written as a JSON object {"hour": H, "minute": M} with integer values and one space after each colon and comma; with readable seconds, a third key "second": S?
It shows {"hour": 8, "minute": 37}
